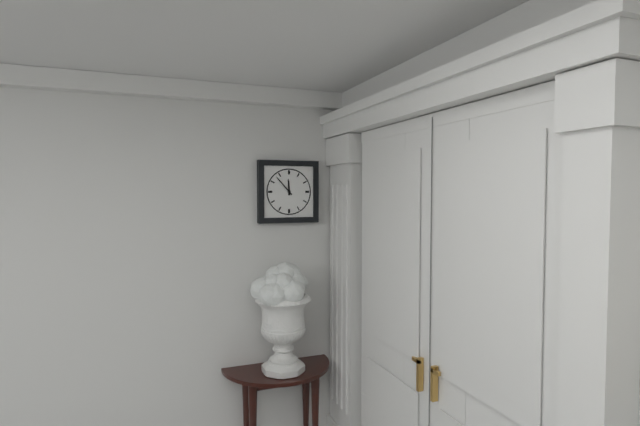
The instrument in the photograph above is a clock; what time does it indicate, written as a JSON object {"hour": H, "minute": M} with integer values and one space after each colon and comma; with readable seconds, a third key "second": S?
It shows {"hour": 11, "minute": 53}
